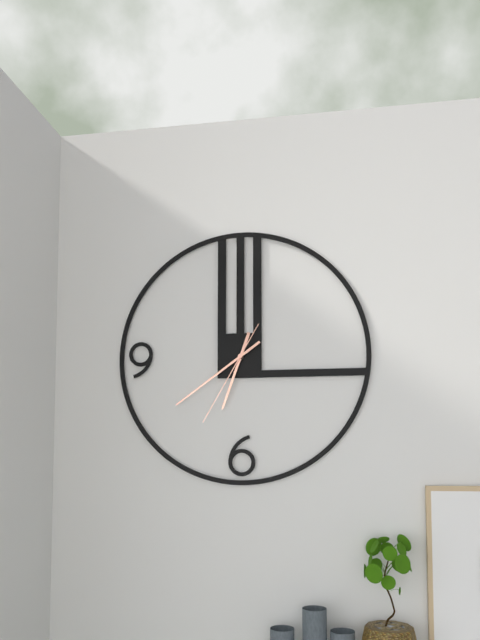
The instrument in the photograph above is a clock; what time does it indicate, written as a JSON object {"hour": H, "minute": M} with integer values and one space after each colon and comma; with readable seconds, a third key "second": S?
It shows {"hour": 6, "minute": 39, "second": 35}
